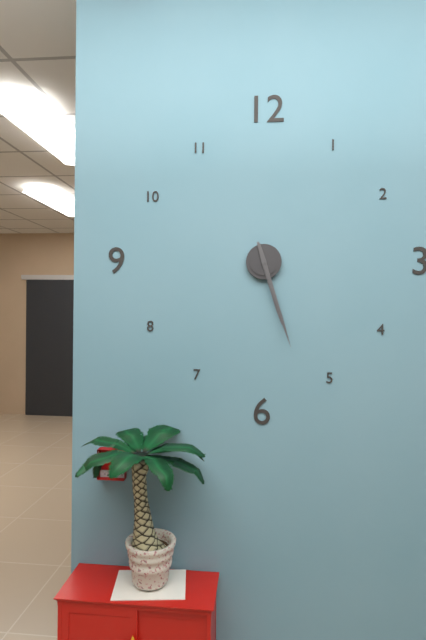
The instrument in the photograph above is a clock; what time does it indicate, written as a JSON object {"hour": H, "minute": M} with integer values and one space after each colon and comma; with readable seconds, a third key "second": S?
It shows {"hour": 5, "minute": 27}
